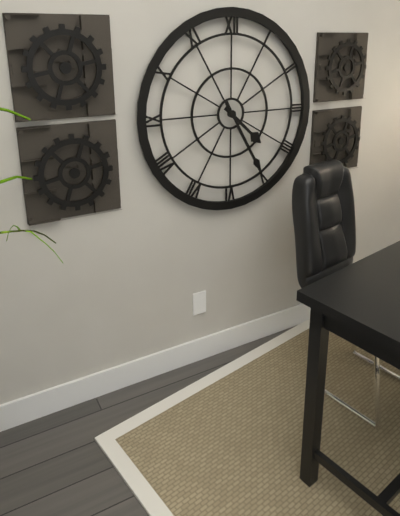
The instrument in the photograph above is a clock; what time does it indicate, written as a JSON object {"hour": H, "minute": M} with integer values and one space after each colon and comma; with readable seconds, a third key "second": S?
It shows {"hour": 4, "minute": 25}
